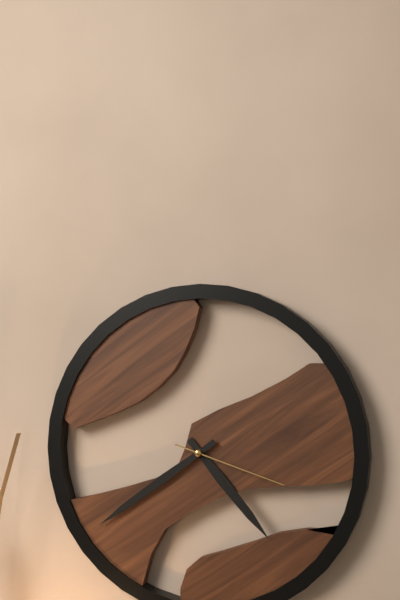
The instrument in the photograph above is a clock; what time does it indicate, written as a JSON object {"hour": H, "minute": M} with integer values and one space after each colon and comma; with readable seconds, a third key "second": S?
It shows {"hour": 4, "minute": 39, "second": 18}
